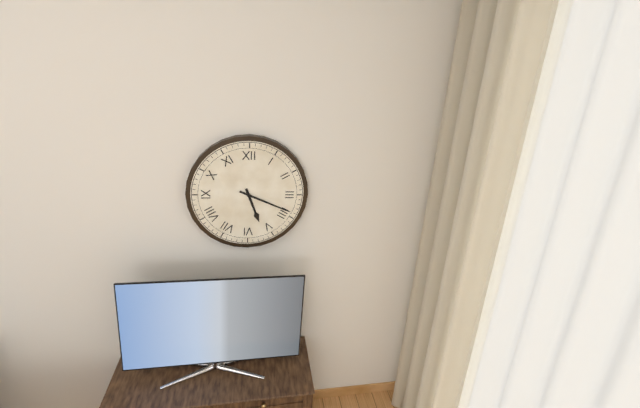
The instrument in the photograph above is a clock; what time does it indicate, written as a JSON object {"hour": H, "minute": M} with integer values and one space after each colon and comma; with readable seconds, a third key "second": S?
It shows {"hour": 5, "minute": 19}
